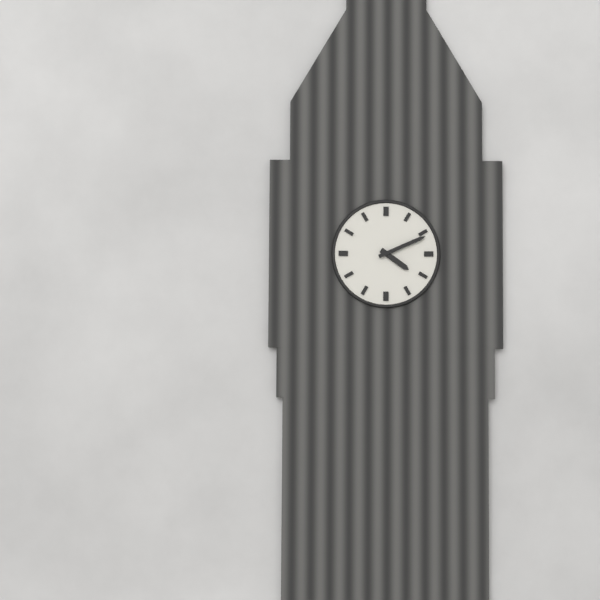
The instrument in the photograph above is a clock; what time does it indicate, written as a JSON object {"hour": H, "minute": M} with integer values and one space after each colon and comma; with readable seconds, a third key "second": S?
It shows {"hour": 4, "minute": 11}
